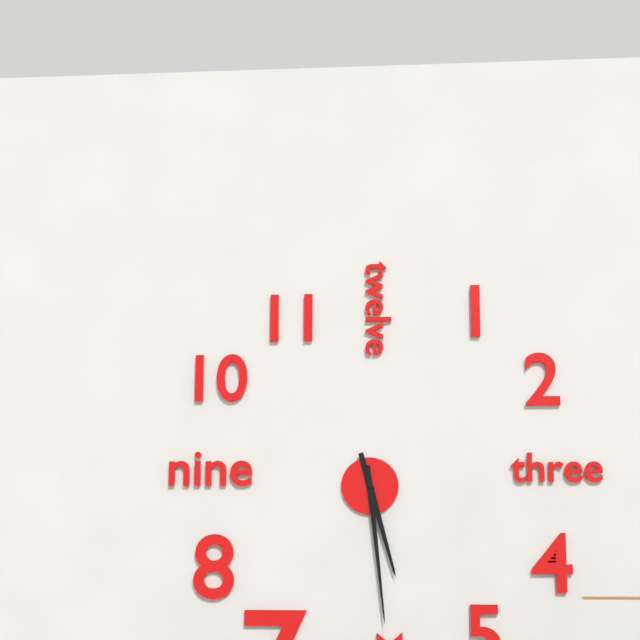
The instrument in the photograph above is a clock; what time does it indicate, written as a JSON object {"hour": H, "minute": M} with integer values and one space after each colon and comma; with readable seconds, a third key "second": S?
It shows {"hour": 5, "minute": 29}
